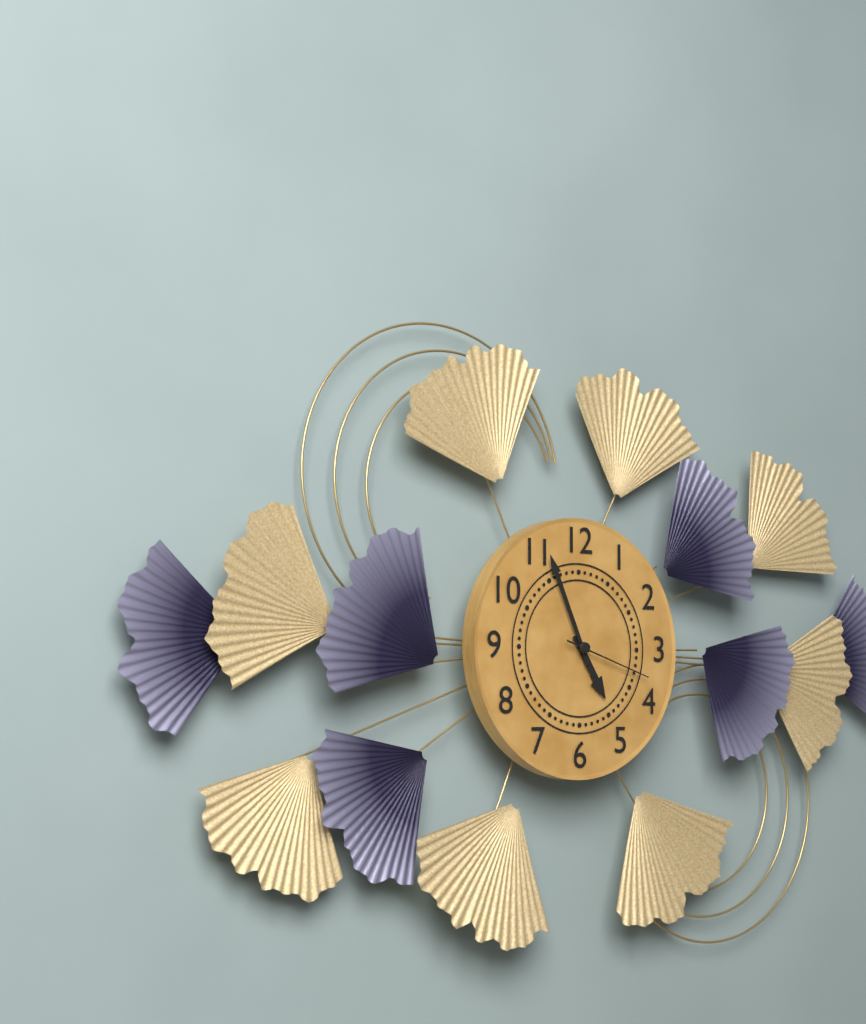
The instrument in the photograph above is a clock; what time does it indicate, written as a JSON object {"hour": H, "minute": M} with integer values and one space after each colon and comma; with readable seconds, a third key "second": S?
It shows {"hour": 4, "minute": 56, "second": 18}
